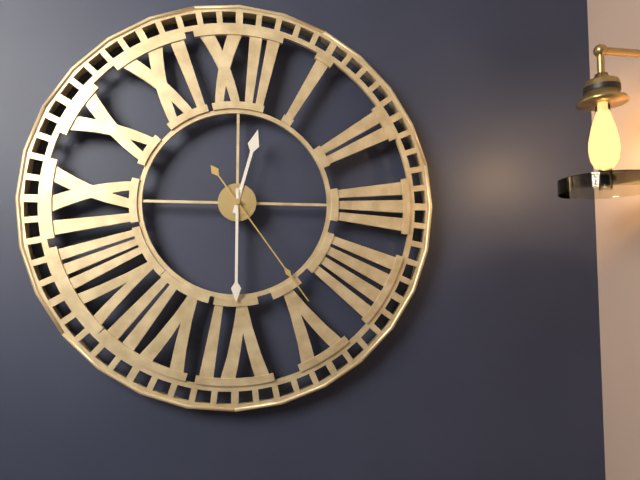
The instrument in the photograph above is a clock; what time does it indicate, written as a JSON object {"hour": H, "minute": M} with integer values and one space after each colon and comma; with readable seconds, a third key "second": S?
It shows {"hour": 12, "minute": 30, "second": 24}
